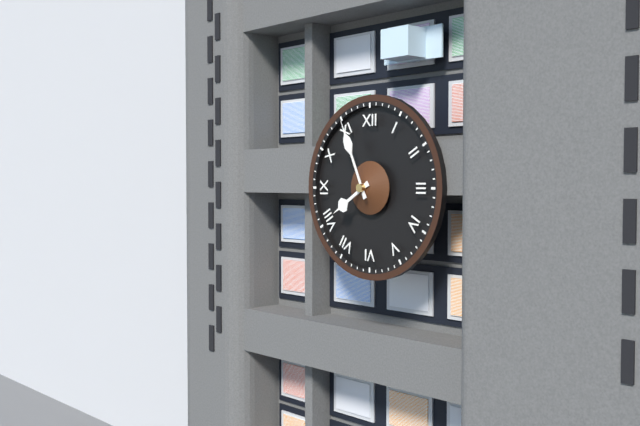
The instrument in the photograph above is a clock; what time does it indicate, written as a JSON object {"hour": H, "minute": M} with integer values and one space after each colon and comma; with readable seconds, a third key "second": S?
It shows {"hour": 7, "minute": 56}
